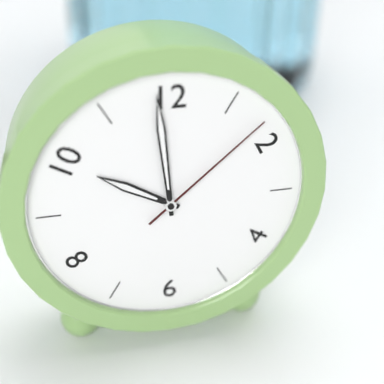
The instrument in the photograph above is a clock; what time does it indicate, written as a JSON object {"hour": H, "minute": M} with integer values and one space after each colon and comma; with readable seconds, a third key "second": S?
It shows {"hour": 9, "minute": 59, "second": 8}
